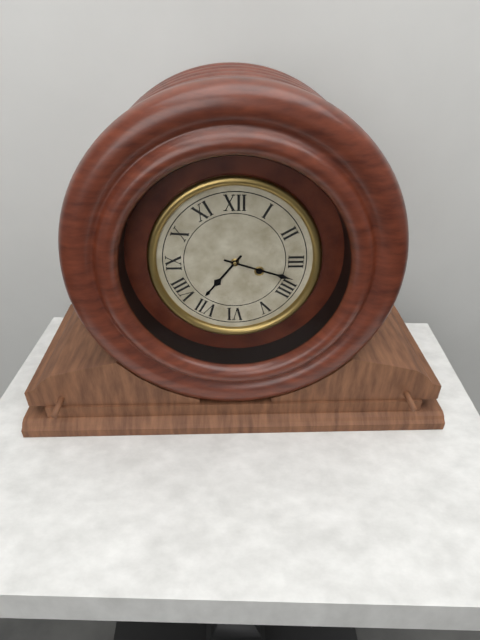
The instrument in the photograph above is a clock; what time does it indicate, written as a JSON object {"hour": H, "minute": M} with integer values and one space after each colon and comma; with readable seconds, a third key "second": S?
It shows {"hour": 7, "minute": 18}
